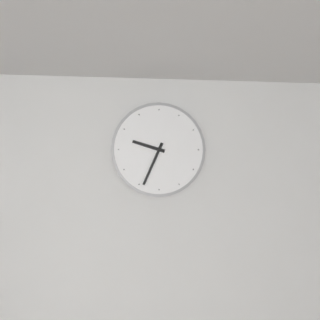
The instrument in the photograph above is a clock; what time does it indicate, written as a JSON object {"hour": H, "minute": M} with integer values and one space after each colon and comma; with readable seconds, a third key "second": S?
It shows {"hour": 9, "minute": 34}
